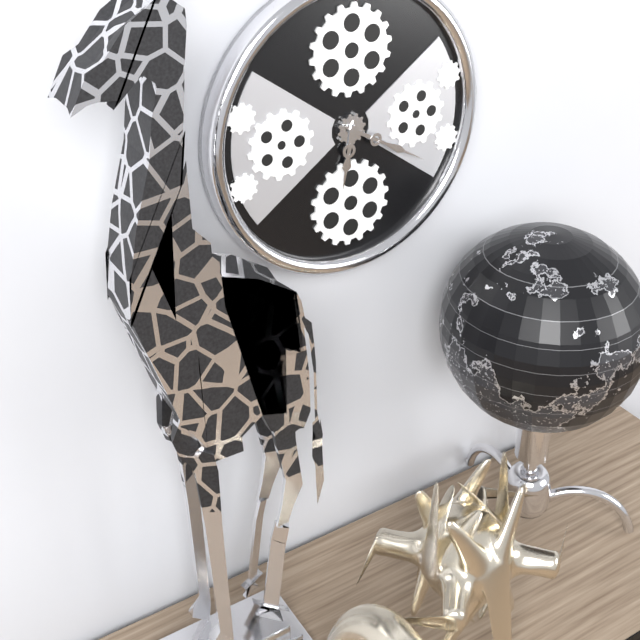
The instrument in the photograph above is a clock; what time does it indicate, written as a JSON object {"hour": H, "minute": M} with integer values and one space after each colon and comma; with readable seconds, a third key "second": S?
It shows {"hour": 6, "minute": 20}
